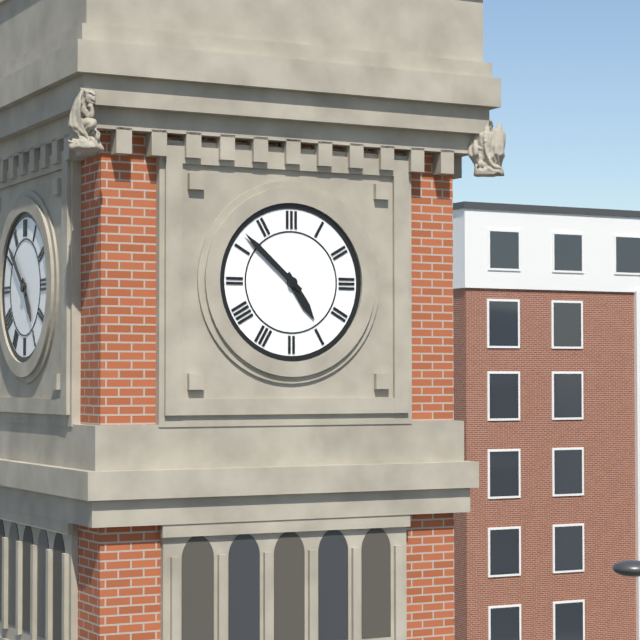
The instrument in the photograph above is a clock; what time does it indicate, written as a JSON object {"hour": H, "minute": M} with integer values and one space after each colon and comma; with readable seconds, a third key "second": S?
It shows {"hour": 4, "minute": 52}
